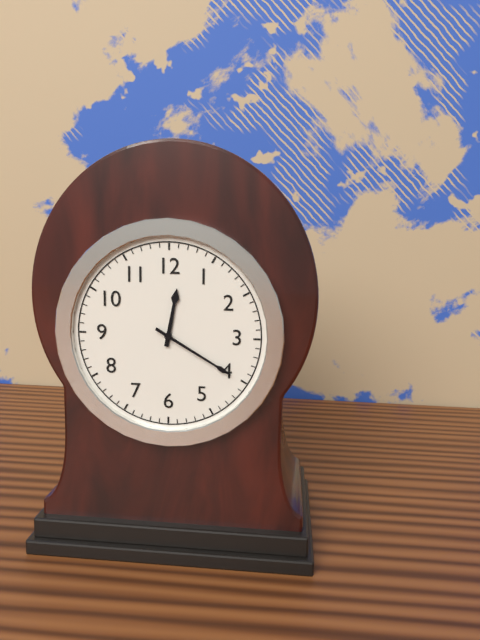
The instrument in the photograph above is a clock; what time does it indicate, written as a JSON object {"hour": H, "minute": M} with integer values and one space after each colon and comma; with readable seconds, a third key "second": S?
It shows {"hour": 12, "minute": 20}
